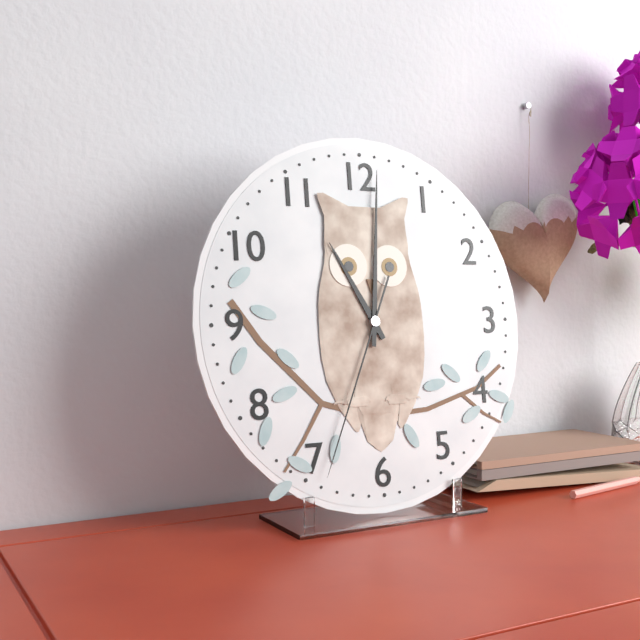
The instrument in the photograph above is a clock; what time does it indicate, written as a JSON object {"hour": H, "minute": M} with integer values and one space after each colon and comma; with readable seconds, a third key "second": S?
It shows {"hour": 11, "minute": 1, "second": 34}
